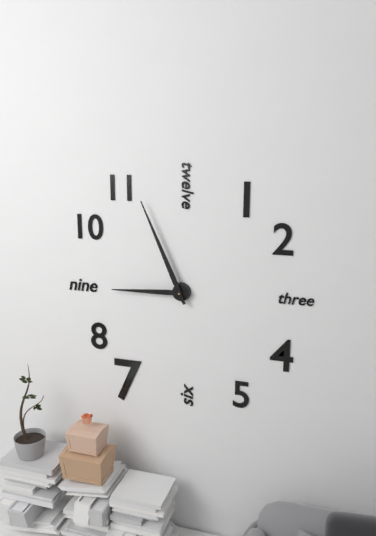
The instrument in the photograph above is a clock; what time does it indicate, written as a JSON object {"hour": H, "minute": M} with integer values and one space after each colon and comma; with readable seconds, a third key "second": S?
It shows {"hour": 8, "minute": 56}
